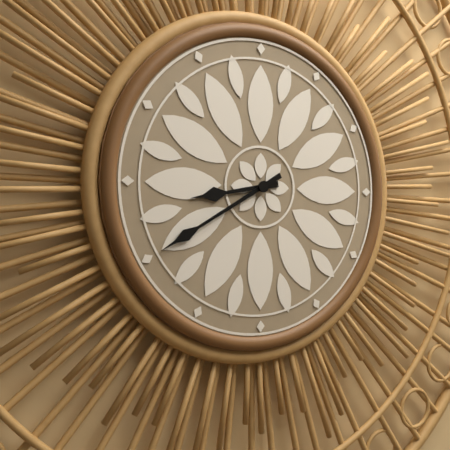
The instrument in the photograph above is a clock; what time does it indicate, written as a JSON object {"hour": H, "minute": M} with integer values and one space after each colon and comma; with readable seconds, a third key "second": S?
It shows {"hour": 8, "minute": 40}
